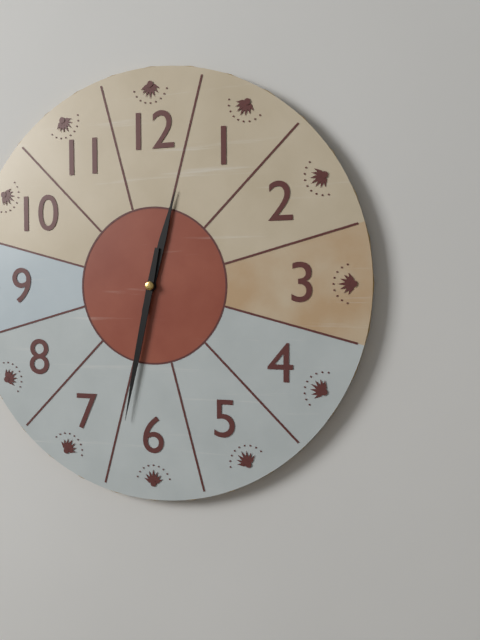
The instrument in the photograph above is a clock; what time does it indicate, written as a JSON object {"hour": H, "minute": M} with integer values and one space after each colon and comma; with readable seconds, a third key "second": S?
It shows {"hour": 12, "minute": 32}
